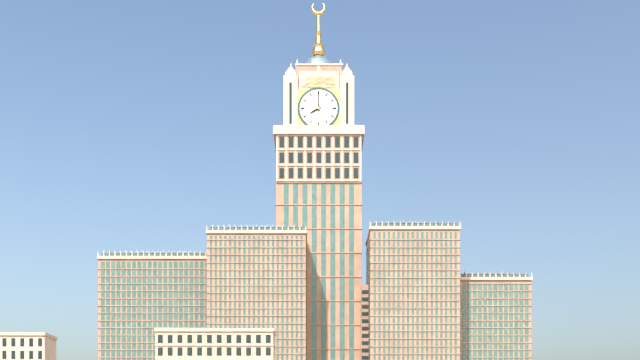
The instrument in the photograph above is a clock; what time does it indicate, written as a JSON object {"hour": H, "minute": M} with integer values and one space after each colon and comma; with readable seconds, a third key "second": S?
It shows {"hour": 8, "minute": 0}
